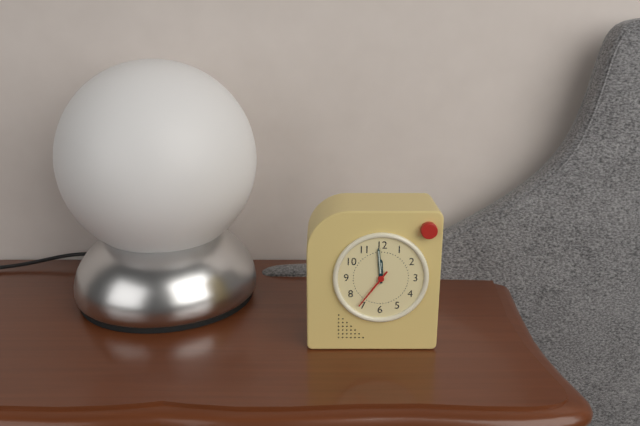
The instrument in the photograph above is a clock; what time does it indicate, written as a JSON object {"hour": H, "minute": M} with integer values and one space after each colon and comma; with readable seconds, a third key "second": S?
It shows {"hour": 11, "minute": 59}
